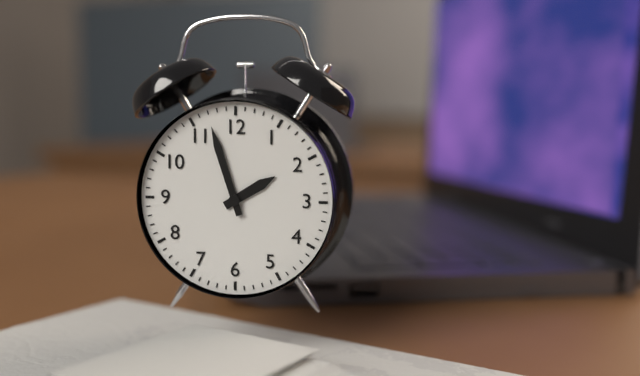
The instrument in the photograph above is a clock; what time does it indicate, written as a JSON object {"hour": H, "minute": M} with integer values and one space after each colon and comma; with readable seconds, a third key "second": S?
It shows {"hour": 1, "minute": 57}
